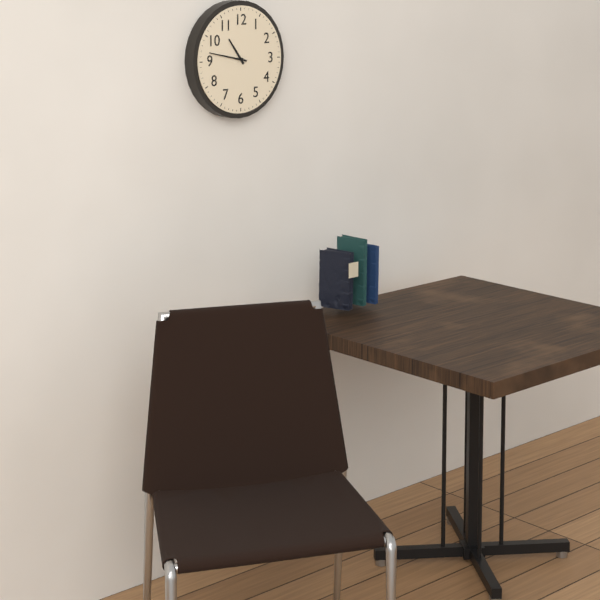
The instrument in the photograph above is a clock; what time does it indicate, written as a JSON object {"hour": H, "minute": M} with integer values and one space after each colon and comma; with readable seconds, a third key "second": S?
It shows {"hour": 10, "minute": 47}
